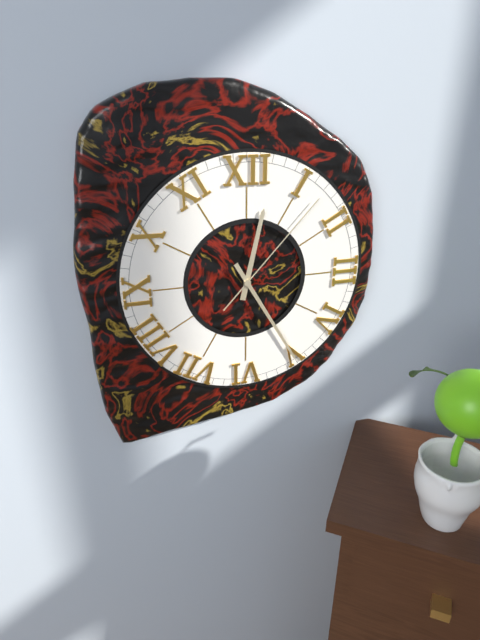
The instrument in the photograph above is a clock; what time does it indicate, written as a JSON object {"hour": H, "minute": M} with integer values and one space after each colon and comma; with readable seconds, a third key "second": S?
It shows {"hour": 12, "minute": 25, "second": 7}
